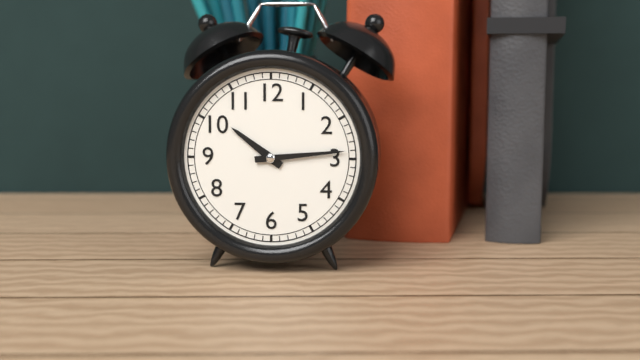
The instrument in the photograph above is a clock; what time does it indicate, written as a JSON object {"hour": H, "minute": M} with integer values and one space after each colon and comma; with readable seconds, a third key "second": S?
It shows {"hour": 10, "minute": 14}
